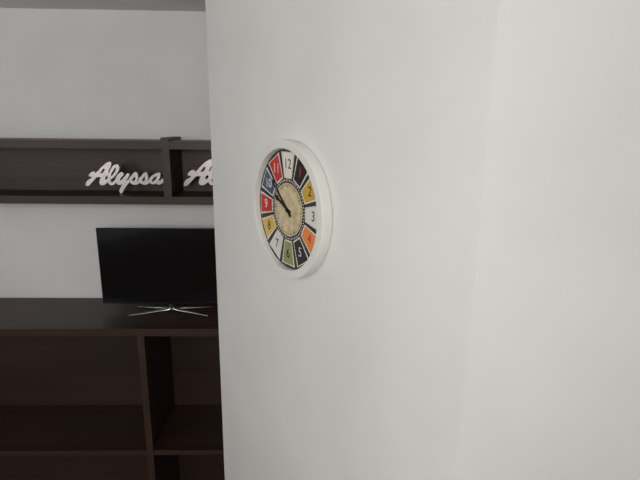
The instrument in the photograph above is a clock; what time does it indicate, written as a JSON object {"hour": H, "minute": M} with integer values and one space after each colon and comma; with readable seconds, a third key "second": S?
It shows {"hour": 9, "minute": 52}
